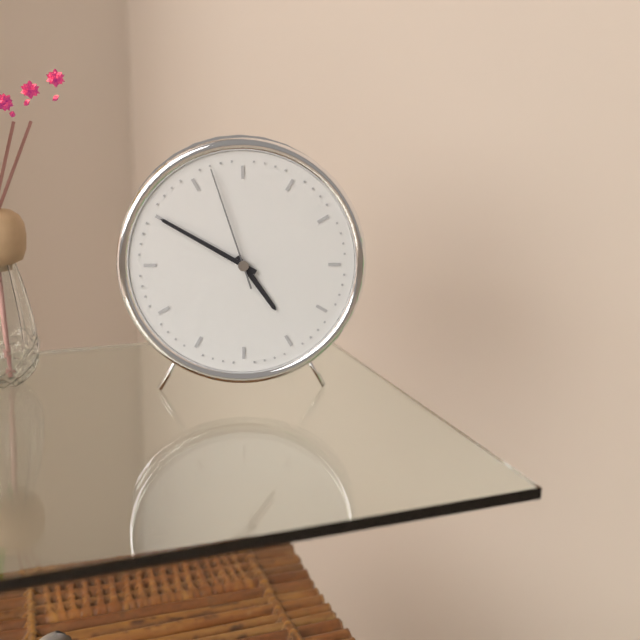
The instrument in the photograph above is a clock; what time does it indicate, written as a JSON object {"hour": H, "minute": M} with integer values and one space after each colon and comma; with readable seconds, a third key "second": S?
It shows {"hour": 4, "minute": 50, "second": 57}
